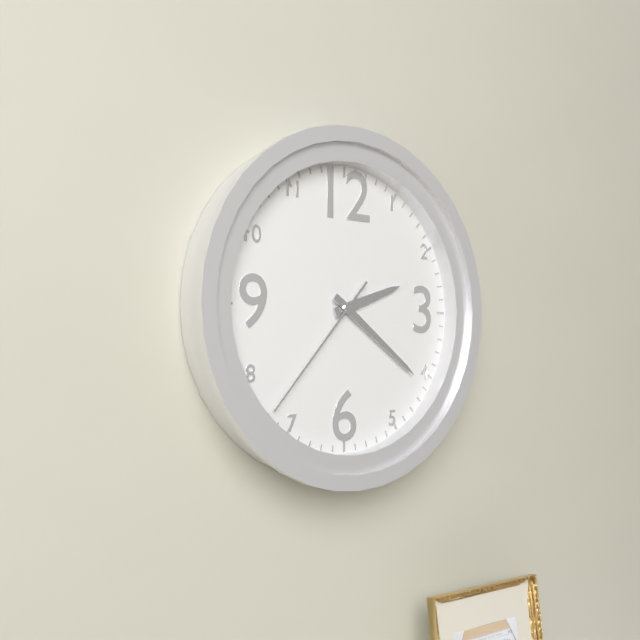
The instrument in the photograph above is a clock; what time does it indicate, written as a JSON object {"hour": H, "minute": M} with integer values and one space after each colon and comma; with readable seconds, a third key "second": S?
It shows {"hour": 2, "minute": 21, "second": 37}
